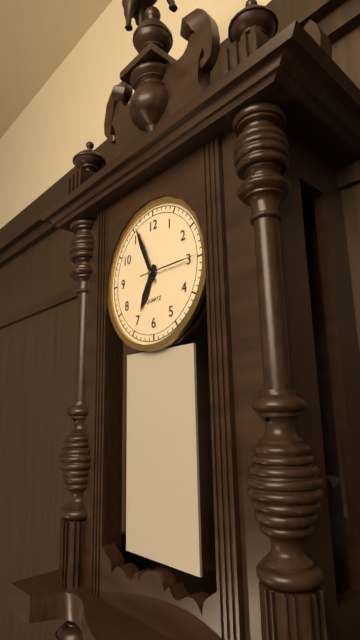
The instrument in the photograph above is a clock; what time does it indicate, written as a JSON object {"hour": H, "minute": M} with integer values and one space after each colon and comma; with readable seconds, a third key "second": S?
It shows {"hour": 6, "minute": 56, "second": 15}
